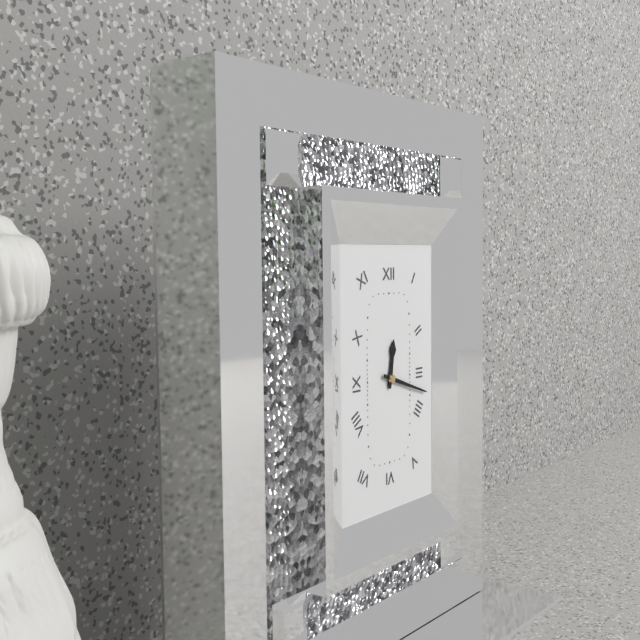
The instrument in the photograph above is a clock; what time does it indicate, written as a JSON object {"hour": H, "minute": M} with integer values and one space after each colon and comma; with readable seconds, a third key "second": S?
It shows {"hour": 12, "minute": 18}
